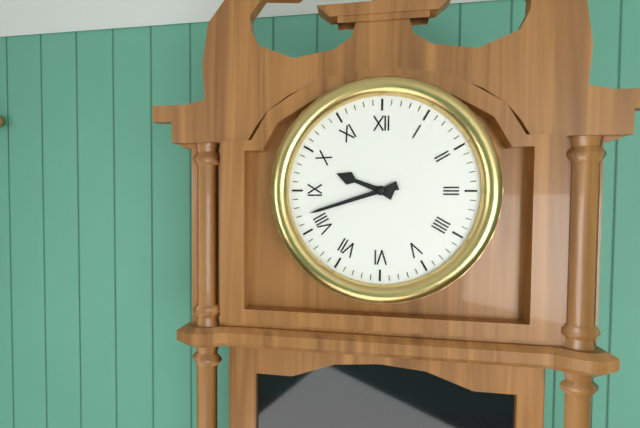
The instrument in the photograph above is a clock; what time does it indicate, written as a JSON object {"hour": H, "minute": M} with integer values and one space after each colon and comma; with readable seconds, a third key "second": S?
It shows {"hour": 9, "minute": 42}
